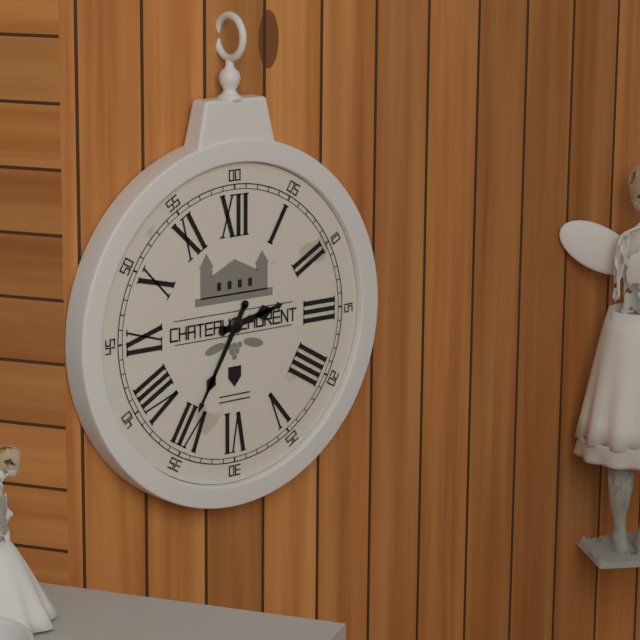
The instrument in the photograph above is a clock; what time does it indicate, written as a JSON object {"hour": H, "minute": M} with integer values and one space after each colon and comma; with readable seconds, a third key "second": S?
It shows {"hour": 2, "minute": 35}
